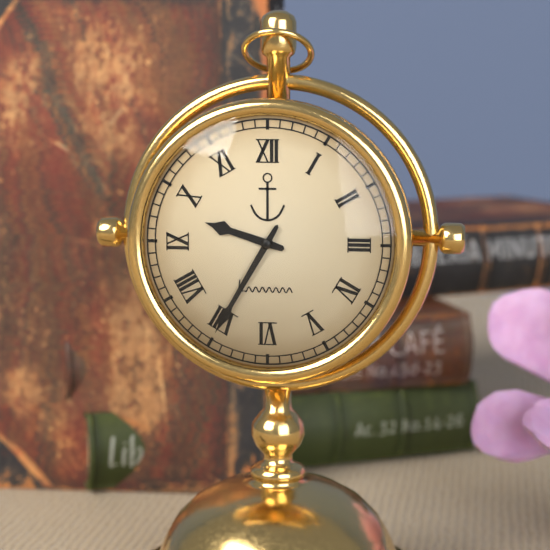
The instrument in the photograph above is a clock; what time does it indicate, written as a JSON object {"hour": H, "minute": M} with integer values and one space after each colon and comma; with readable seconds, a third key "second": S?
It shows {"hour": 9, "minute": 35}
